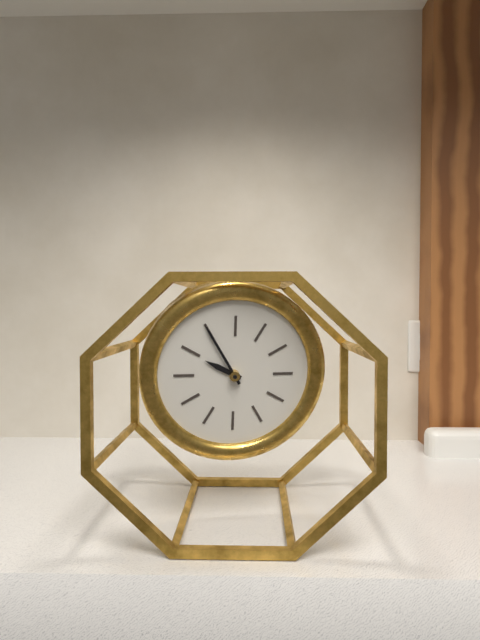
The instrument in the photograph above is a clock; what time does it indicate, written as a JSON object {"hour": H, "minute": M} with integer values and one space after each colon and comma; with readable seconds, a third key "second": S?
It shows {"hour": 9, "minute": 55}
